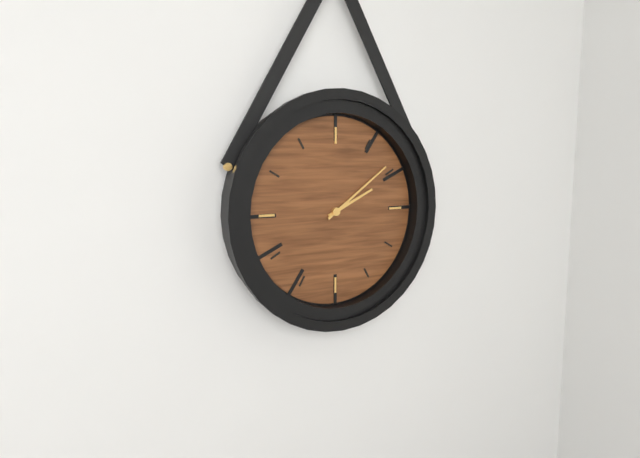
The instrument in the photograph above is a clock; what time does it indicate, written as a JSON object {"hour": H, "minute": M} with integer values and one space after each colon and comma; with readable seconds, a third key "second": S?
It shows {"hour": 2, "minute": 9}
